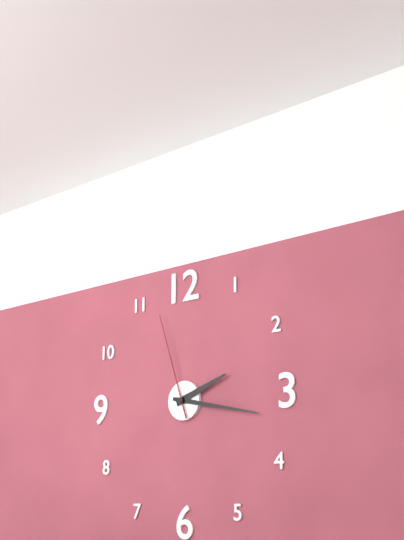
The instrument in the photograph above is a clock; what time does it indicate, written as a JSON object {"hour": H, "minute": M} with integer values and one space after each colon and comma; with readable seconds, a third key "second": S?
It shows {"hour": 2, "minute": 17, "second": 57}
